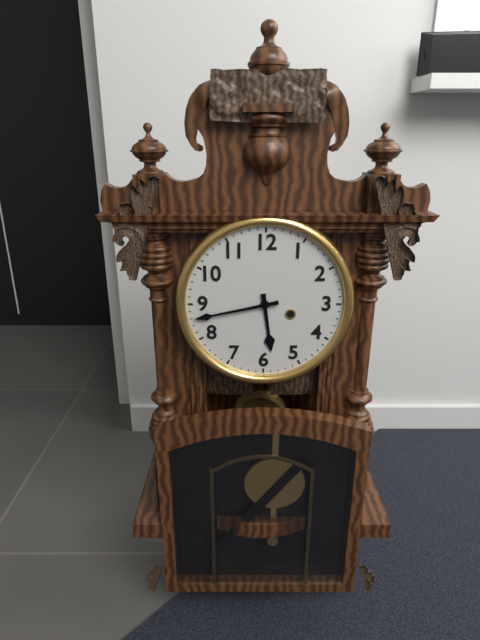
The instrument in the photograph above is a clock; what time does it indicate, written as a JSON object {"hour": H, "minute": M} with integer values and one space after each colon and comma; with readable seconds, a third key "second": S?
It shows {"hour": 5, "minute": 43}
